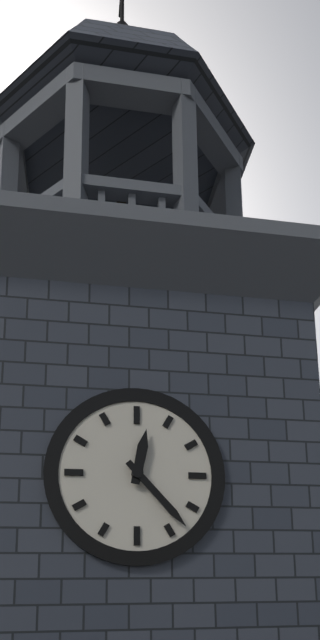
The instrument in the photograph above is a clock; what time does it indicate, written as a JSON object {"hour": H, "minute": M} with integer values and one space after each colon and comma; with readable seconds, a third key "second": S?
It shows {"hour": 12, "minute": 23}
